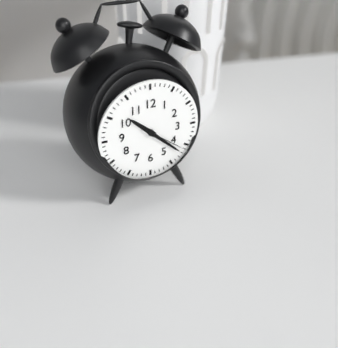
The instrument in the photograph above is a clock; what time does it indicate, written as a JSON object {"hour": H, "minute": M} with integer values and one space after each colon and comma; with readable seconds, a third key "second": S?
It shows {"hour": 10, "minute": 22}
